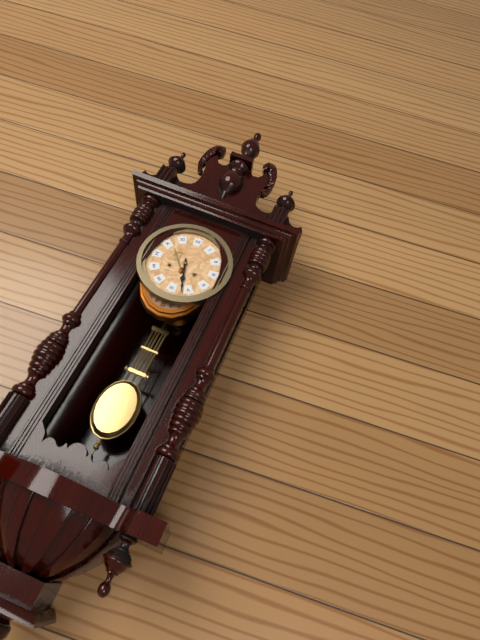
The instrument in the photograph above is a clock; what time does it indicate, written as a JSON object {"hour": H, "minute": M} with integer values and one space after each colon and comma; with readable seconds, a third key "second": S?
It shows {"hour": 5, "minute": 27}
